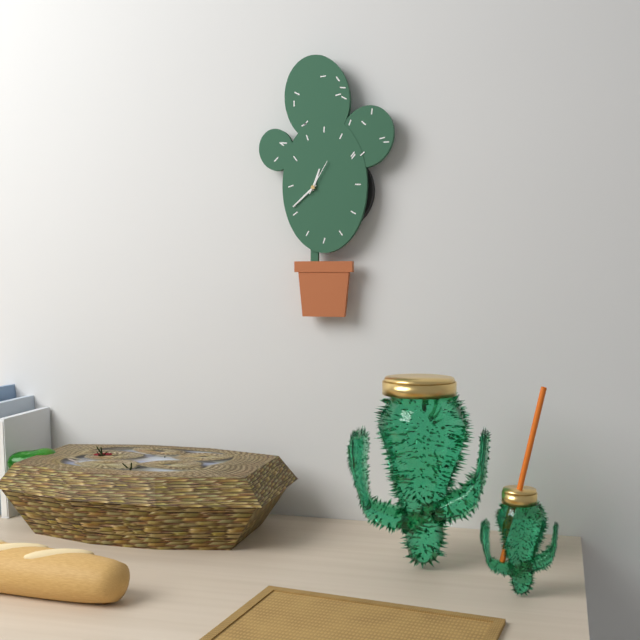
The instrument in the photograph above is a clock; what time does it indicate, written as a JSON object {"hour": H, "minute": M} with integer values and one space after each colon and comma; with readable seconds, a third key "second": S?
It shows {"hour": 12, "minute": 38}
